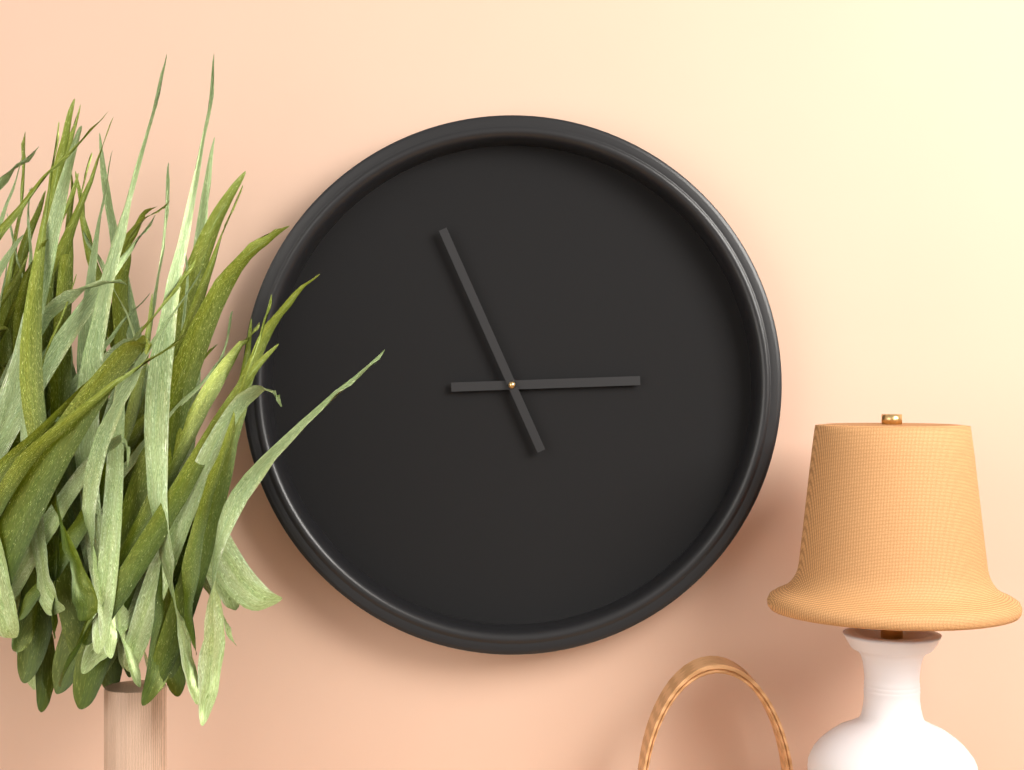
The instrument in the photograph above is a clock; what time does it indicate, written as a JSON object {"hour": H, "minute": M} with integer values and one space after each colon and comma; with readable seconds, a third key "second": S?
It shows {"hour": 2, "minute": 56}
